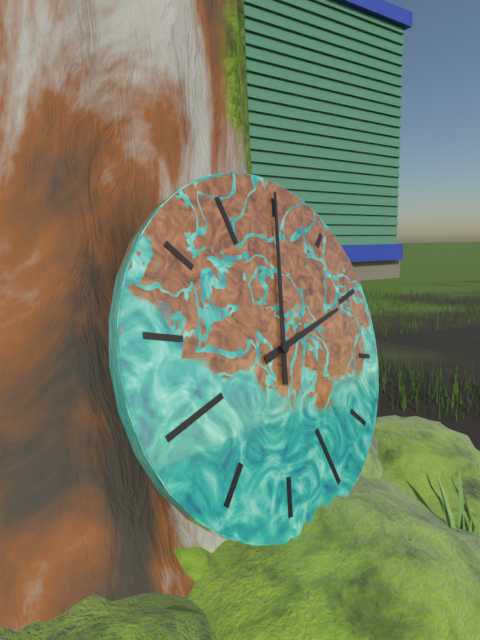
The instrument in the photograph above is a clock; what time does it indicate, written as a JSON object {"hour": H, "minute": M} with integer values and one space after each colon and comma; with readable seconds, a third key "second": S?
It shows {"hour": 3, "minute": 5}
